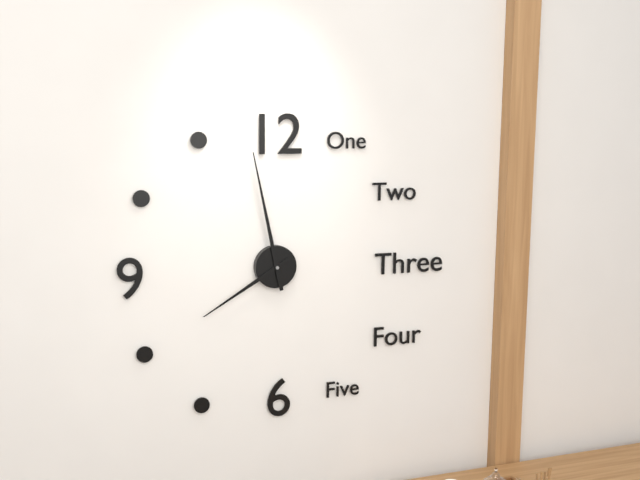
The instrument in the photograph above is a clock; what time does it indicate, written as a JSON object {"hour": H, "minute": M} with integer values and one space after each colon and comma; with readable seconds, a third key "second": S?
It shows {"hour": 7, "minute": 58}
